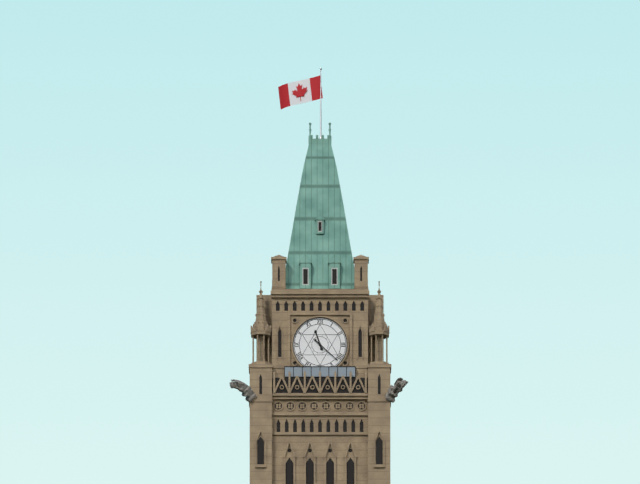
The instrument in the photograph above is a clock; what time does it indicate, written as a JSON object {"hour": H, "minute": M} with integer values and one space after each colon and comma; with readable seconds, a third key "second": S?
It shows {"hour": 11, "minute": 22}
